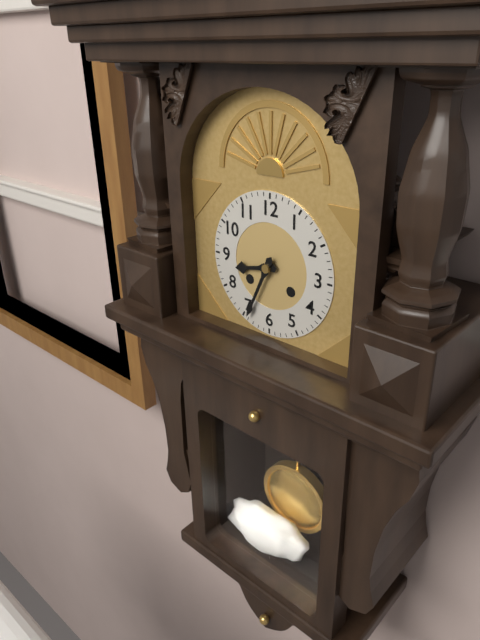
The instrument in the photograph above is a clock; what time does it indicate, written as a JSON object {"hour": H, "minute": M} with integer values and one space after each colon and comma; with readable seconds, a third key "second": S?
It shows {"hour": 8, "minute": 34}
